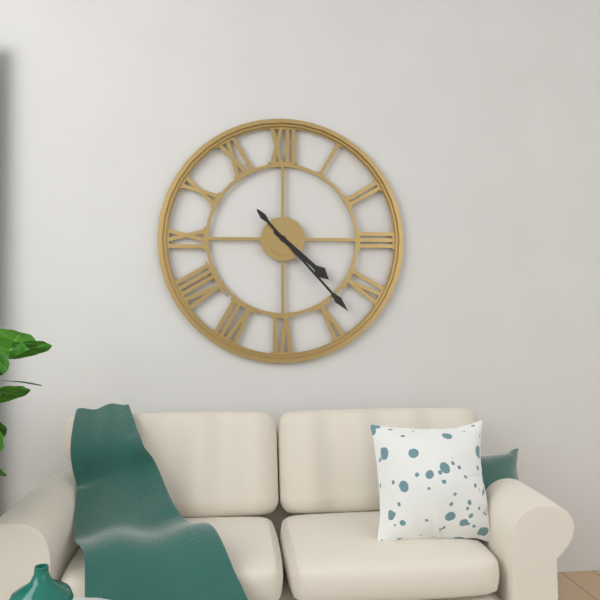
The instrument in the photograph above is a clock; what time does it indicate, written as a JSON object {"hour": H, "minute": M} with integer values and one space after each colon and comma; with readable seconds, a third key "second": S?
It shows {"hour": 4, "minute": 23}
